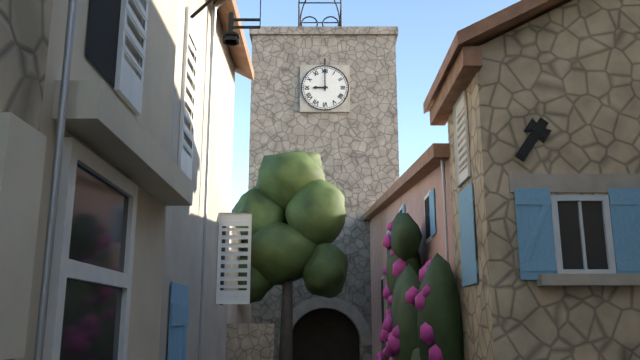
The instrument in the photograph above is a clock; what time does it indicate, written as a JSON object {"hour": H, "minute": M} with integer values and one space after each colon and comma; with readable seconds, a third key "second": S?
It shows {"hour": 9, "minute": 0}
